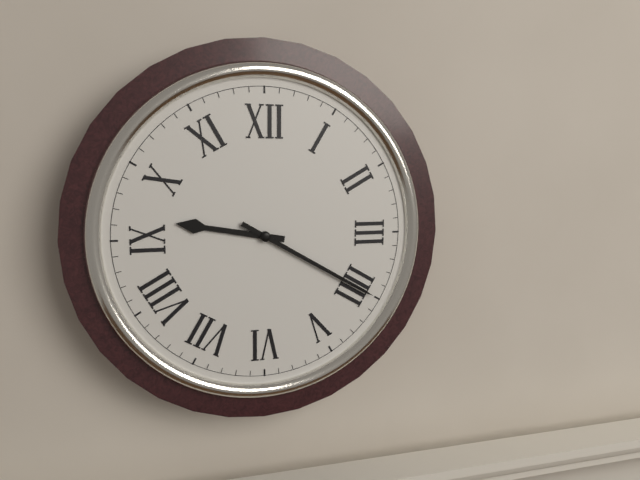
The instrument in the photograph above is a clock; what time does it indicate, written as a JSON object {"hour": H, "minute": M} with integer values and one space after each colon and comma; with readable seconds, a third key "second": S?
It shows {"hour": 9, "minute": 20}
